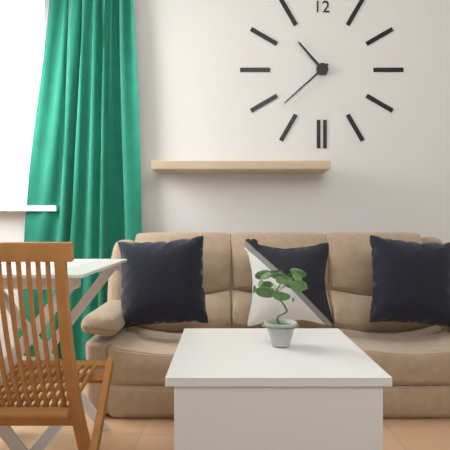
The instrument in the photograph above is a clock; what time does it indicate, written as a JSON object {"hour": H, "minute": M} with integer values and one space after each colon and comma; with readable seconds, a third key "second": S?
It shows {"hour": 10, "minute": 38}
